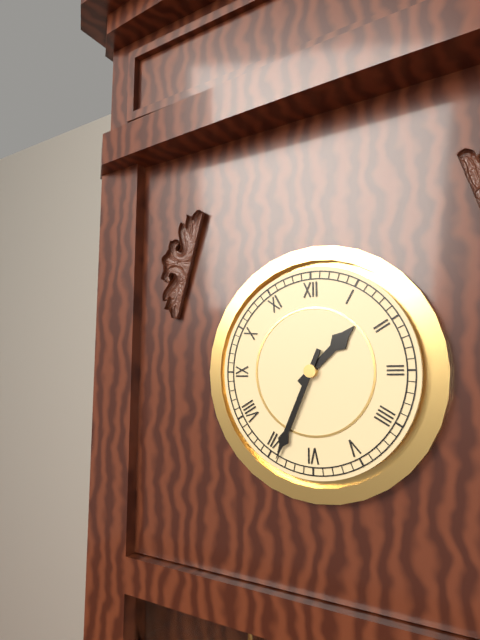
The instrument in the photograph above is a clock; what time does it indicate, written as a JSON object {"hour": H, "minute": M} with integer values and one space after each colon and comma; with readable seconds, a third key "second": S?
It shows {"hour": 1, "minute": 34}
